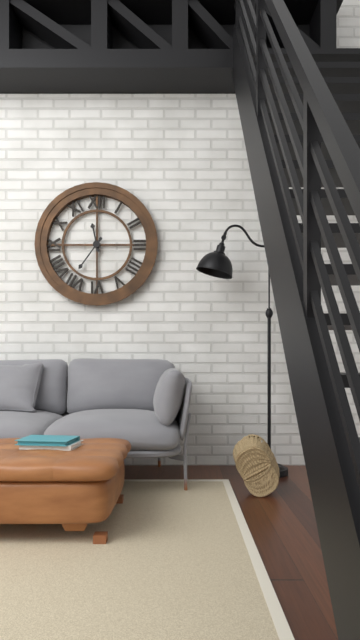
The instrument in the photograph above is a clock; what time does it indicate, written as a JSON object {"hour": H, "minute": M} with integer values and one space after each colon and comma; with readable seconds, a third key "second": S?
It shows {"hour": 11, "minute": 36}
